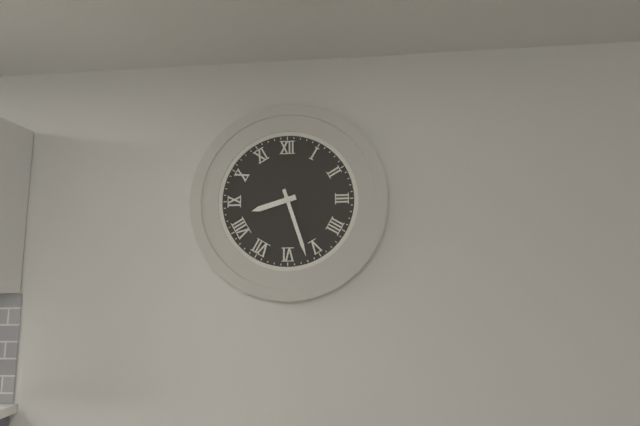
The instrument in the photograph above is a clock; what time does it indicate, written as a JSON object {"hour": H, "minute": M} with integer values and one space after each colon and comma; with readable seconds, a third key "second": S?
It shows {"hour": 8, "minute": 27}
